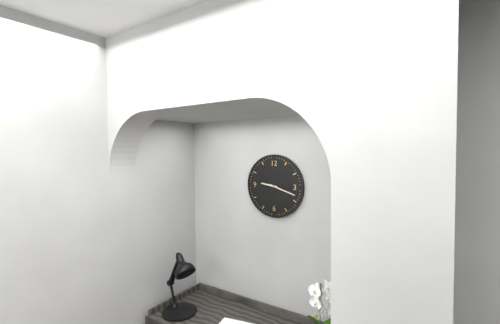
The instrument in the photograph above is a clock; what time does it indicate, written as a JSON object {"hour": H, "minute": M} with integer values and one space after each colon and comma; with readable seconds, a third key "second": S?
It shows {"hour": 9, "minute": 18}
